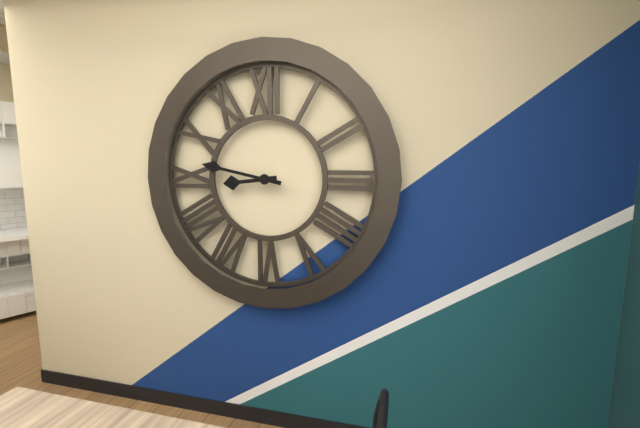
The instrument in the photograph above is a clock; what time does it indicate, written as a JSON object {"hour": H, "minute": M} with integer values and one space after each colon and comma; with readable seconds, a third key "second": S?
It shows {"hour": 8, "minute": 47}
